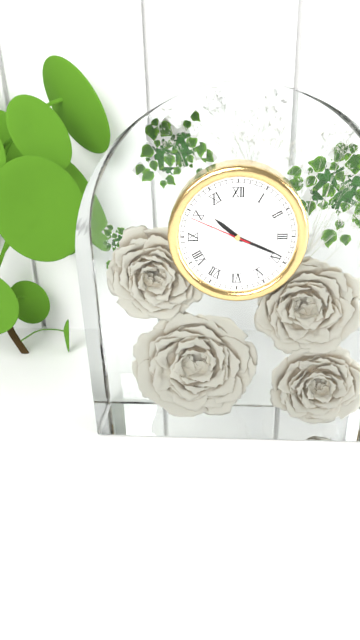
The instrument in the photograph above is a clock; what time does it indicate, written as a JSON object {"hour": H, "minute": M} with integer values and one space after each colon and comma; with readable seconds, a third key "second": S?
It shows {"hour": 10, "minute": 19, "second": 49}
